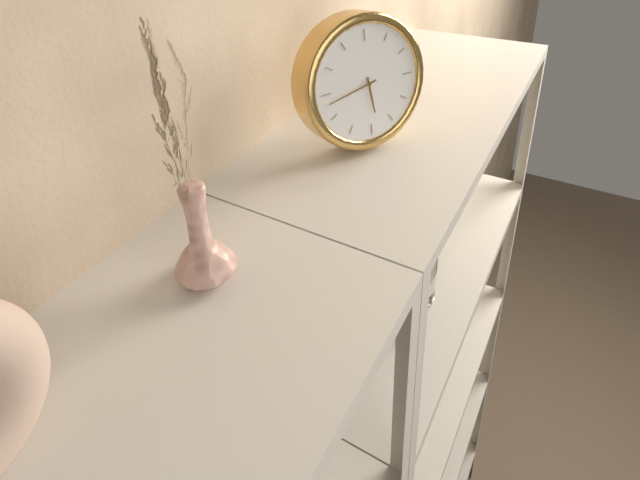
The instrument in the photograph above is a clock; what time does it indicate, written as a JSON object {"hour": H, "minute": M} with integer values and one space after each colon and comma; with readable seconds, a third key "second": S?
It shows {"hour": 5, "minute": 43}
